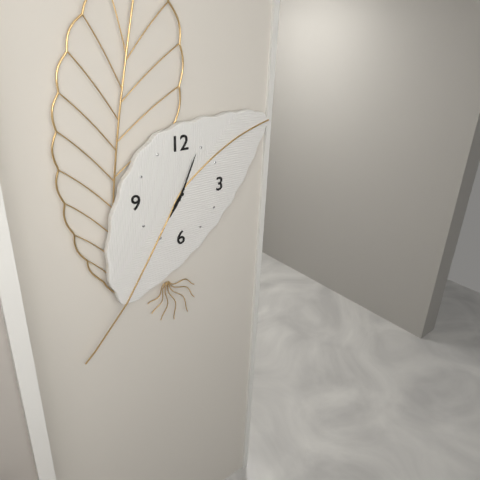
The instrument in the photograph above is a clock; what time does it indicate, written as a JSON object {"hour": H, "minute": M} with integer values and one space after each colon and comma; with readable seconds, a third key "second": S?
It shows {"hour": 7, "minute": 4}
